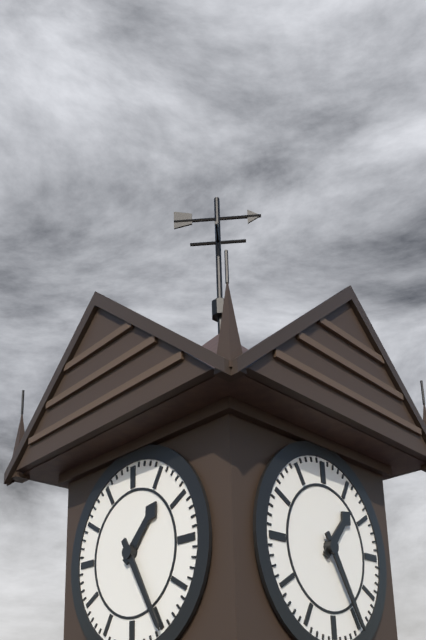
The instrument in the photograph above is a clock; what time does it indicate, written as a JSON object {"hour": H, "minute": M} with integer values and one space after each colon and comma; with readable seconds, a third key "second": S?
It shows {"hour": 1, "minute": 25}
